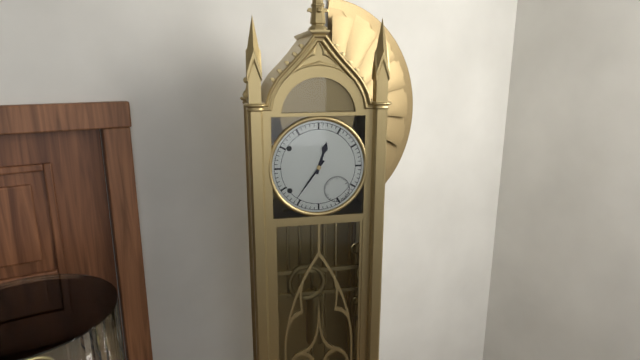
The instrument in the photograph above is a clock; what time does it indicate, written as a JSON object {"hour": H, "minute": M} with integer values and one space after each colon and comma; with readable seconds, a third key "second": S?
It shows {"hour": 12, "minute": 36}
